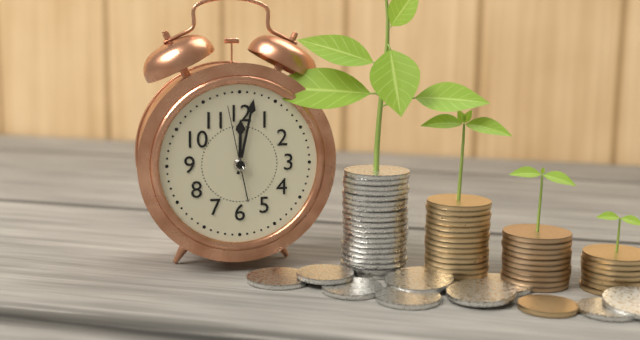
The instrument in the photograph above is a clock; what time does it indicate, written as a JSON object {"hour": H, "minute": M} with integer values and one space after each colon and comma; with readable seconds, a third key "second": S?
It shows {"hour": 12, "minute": 2, "second": 58}
